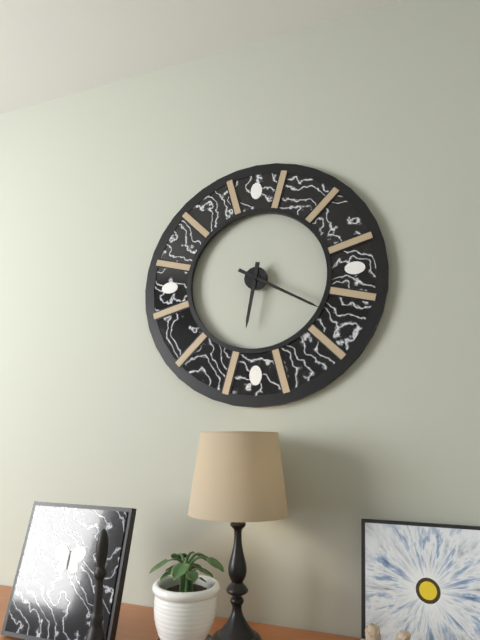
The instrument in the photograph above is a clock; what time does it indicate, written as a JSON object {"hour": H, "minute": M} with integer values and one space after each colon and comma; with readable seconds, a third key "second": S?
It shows {"hour": 6, "minute": 20}
